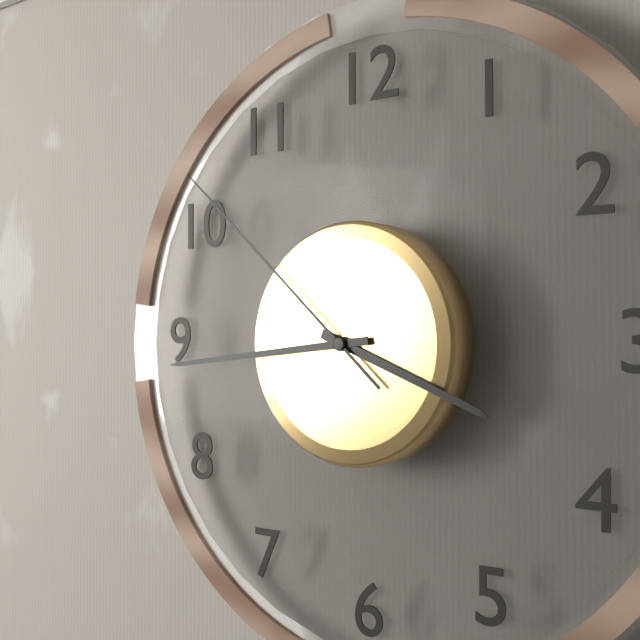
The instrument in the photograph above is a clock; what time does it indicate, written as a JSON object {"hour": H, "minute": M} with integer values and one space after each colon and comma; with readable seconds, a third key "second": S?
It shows {"hour": 3, "minute": 44, "second": 52}
